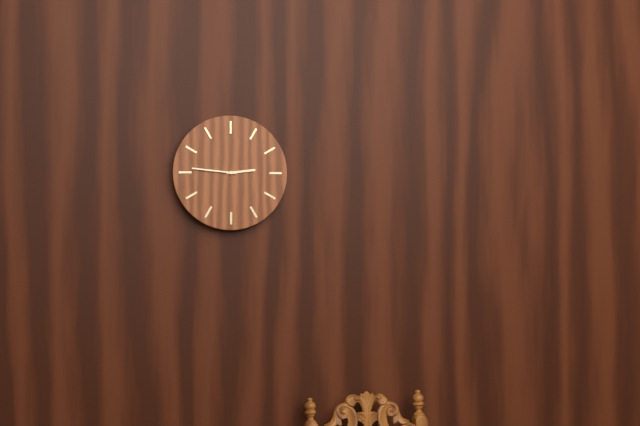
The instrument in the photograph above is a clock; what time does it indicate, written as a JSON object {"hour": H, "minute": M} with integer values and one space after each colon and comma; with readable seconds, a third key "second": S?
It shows {"hour": 2, "minute": 46}
